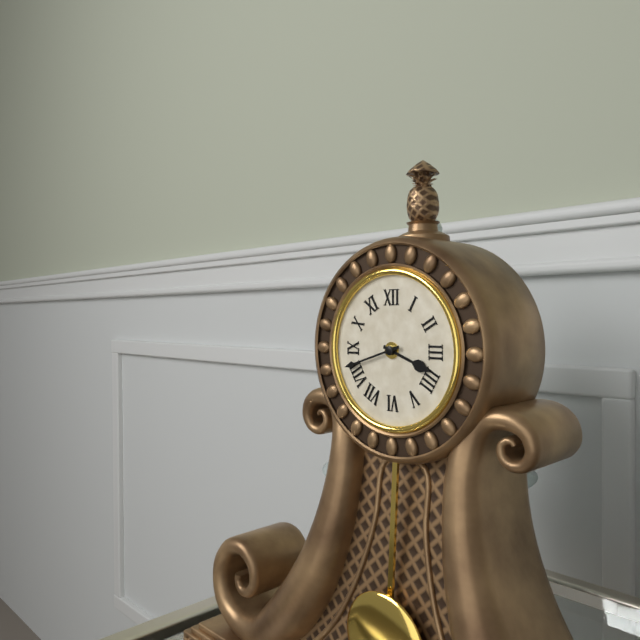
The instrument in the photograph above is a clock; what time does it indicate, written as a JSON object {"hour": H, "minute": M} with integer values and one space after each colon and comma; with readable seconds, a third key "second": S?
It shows {"hour": 3, "minute": 42}
